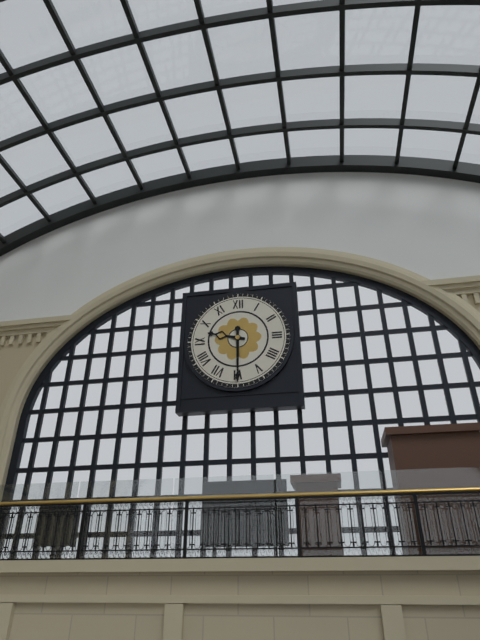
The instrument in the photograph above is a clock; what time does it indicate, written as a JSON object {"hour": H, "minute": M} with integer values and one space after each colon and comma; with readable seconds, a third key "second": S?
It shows {"hour": 9, "minute": 30}
